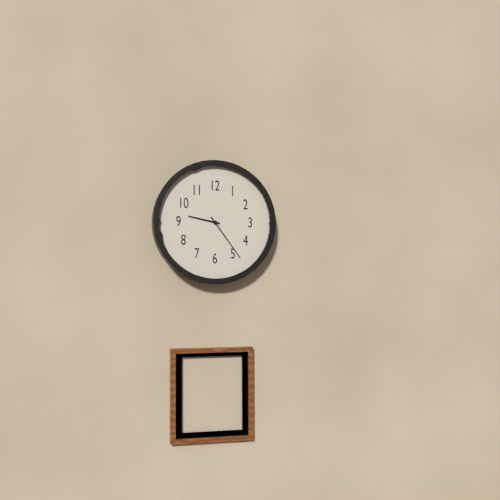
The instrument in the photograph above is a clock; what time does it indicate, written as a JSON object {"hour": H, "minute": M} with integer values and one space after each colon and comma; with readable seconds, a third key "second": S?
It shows {"hour": 9, "minute": 24}
